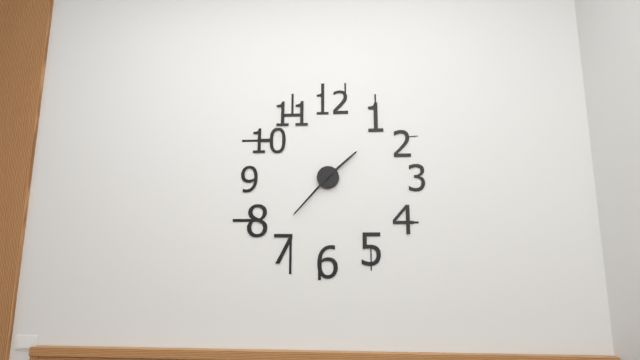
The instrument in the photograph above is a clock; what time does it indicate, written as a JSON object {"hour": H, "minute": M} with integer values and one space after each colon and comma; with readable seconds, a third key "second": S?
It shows {"hour": 1, "minute": 37}
